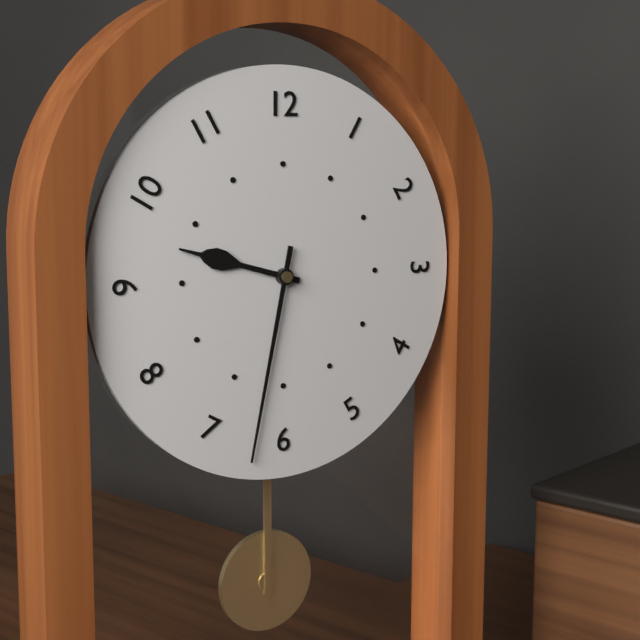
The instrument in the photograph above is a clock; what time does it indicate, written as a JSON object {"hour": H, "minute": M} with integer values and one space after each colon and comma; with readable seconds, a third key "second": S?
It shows {"hour": 9, "minute": 32}
